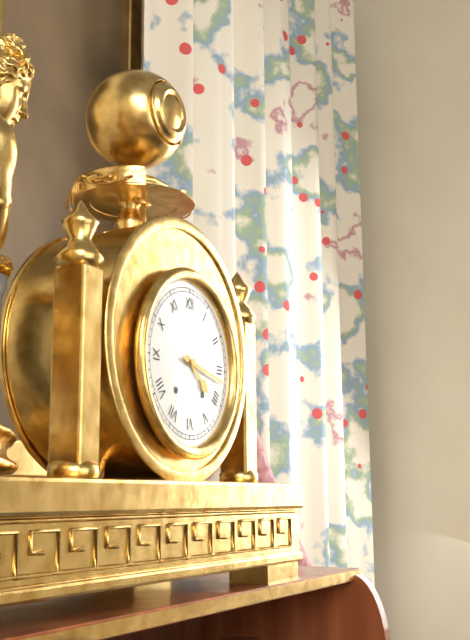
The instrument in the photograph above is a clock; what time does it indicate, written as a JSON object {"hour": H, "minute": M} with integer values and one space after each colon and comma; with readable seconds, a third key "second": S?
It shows {"hour": 4, "minute": 17}
